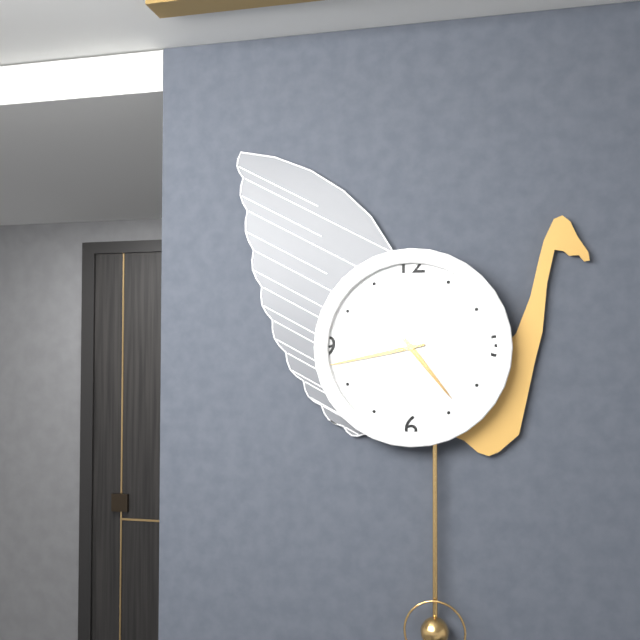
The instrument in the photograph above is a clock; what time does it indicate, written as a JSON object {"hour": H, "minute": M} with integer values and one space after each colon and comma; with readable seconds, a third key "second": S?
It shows {"hour": 4, "minute": 43}
